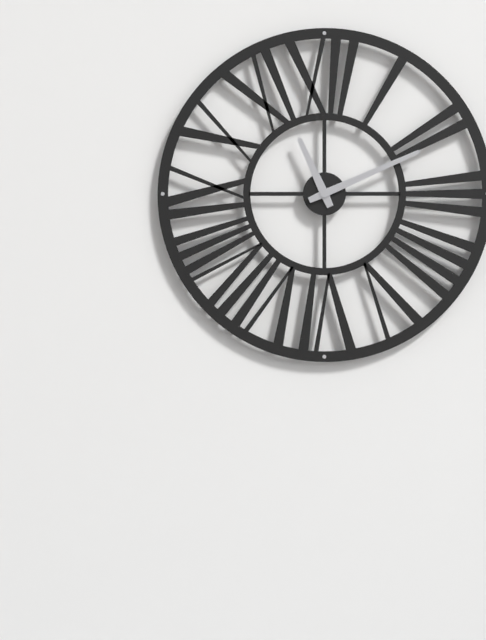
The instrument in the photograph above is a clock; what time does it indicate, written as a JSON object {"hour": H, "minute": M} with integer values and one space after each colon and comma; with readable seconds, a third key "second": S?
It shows {"hour": 11, "minute": 11}
